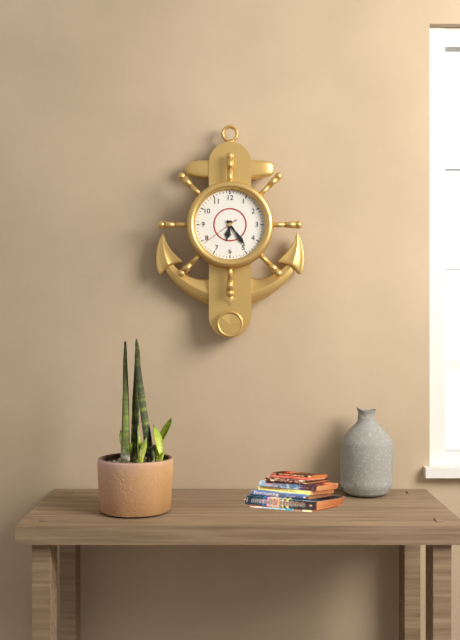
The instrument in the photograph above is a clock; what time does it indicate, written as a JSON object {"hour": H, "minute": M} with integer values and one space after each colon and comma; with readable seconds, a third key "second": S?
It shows {"hour": 6, "minute": 24}
